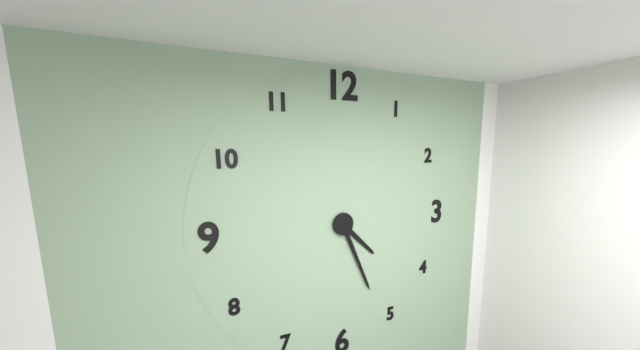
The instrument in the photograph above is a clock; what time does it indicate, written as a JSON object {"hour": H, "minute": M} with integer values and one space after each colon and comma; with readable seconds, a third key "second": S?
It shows {"hour": 4, "minute": 26}
